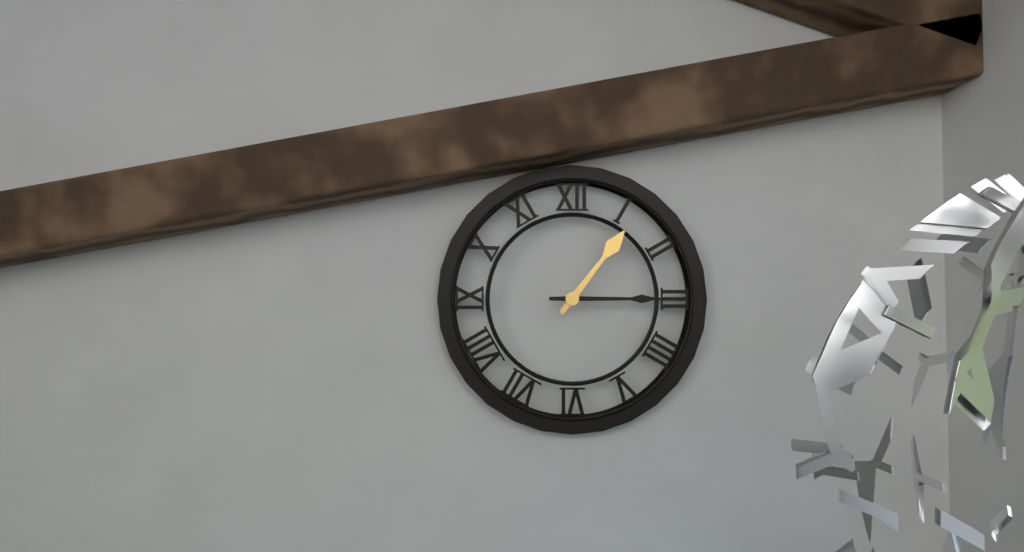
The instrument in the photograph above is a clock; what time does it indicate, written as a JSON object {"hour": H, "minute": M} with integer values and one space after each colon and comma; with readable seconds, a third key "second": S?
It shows {"hour": 1, "minute": 15}
